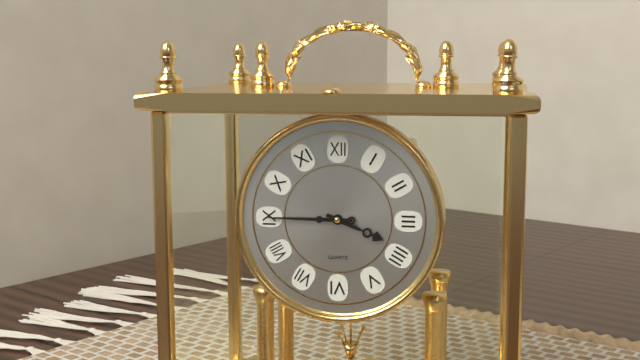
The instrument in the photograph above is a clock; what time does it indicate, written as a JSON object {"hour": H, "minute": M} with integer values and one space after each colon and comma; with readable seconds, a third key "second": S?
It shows {"hour": 3, "minute": 45}
